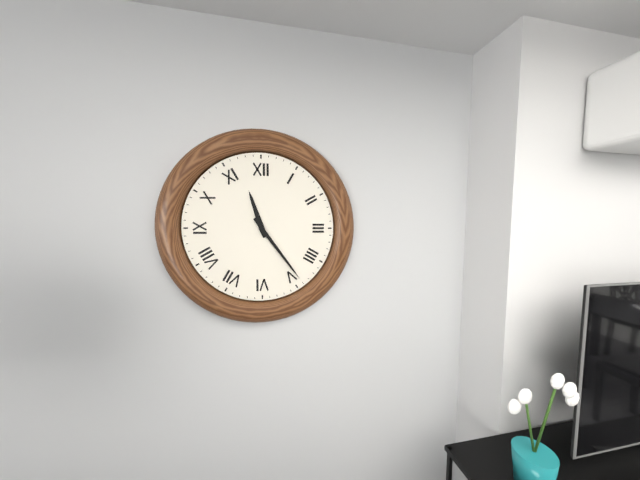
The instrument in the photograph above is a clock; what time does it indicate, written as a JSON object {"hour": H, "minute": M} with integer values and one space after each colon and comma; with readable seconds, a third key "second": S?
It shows {"hour": 11, "minute": 24}
